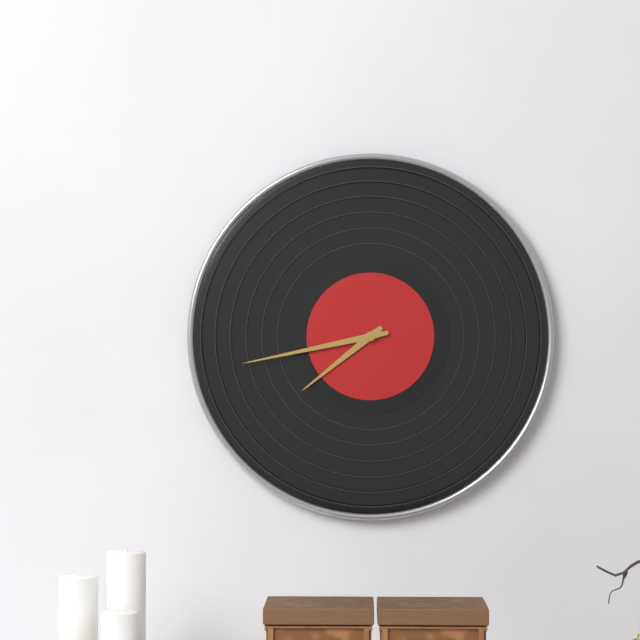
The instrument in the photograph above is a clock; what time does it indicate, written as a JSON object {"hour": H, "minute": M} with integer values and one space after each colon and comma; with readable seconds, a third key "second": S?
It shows {"hour": 7, "minute": 43}
